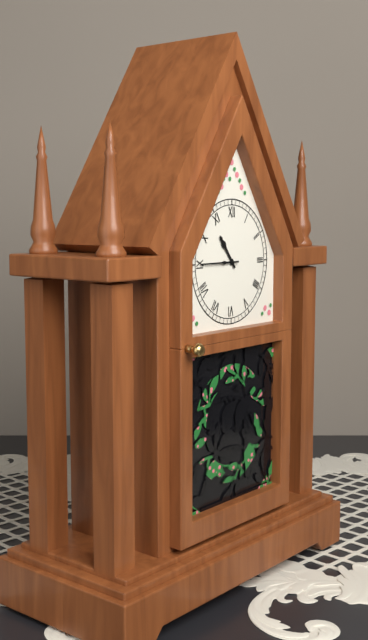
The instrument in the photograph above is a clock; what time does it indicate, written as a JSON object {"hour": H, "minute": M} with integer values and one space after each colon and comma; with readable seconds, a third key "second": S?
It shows {"hour": 10, "minute": 45}
